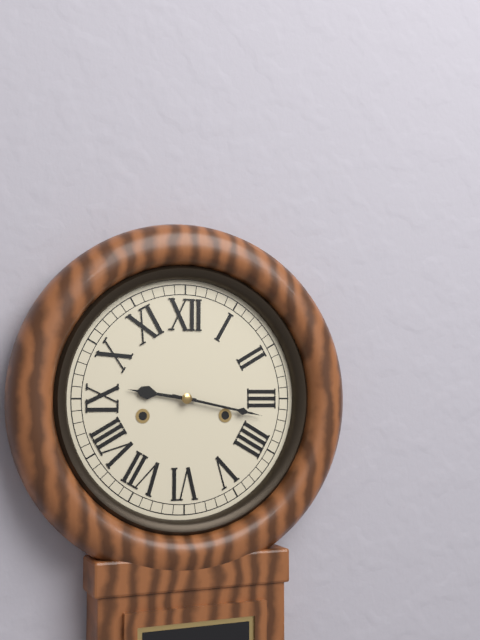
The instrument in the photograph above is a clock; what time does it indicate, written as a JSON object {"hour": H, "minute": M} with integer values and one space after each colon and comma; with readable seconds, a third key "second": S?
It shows {"hour": 9, "minute": 17}
